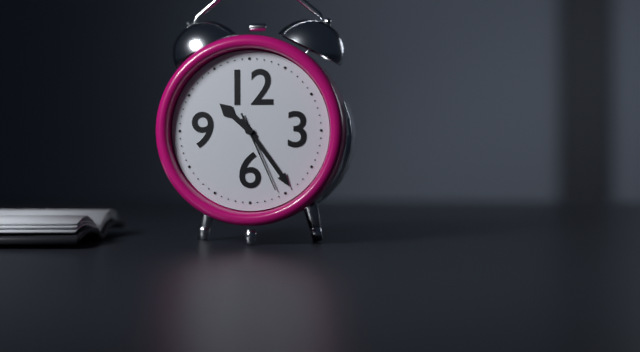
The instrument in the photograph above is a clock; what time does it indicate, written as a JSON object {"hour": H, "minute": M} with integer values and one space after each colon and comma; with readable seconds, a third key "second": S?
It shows {"hour": 10, "minute": 24, "second": 26}
